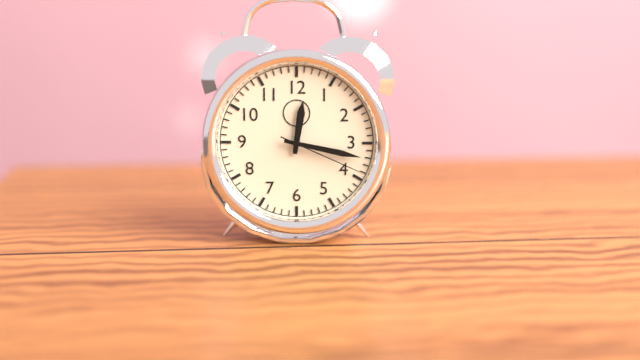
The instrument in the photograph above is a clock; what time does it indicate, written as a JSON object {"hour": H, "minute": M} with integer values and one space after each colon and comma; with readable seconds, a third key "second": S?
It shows {"hour": 12, "minute": 17, "second": 19}
